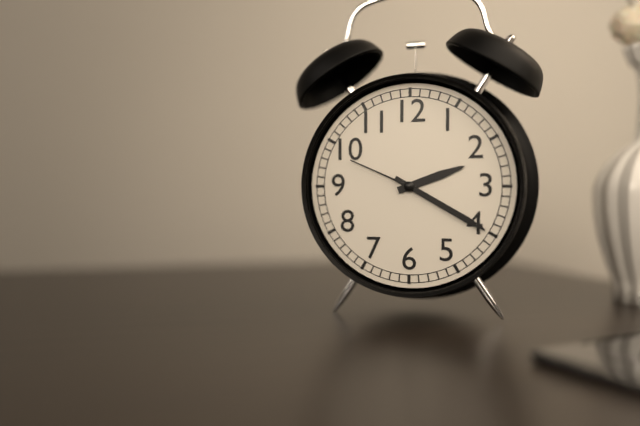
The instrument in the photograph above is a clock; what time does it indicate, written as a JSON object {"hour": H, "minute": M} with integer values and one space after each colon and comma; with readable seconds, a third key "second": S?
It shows {"hour": 2, "minute": 20, "second": 49}
